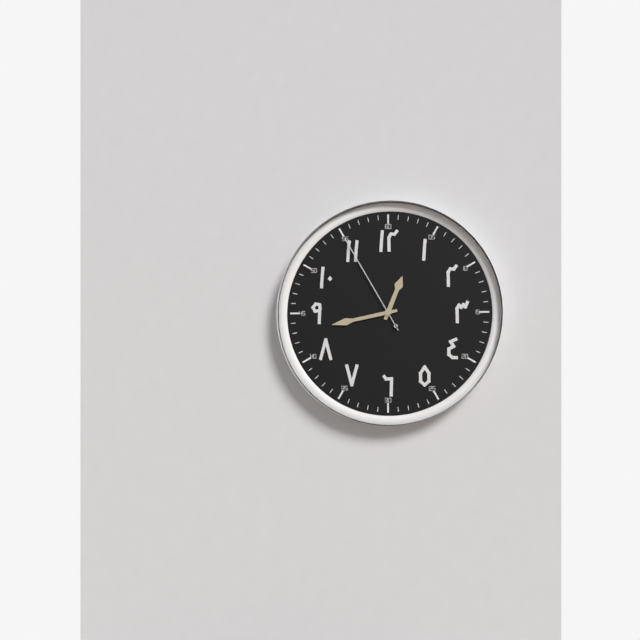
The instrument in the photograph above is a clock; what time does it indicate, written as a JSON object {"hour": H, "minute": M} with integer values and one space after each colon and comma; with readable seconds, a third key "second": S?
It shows {"hour": 12, "minute": 43, "second": 55}
